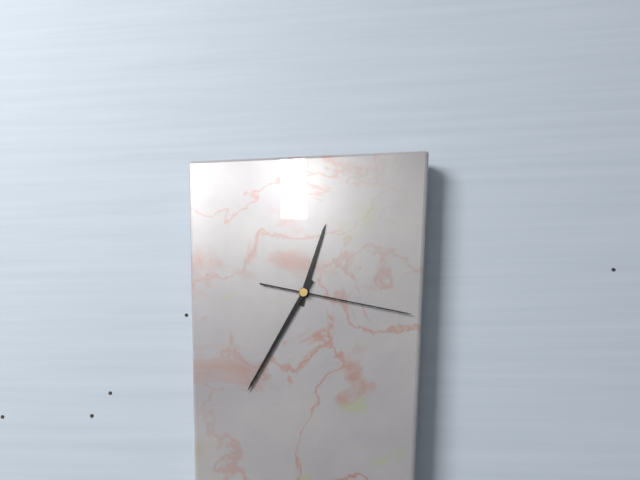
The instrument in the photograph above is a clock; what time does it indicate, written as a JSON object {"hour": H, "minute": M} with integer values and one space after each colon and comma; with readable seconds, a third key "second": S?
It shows {"hour": 12, "minute": 35, "second": 17}
